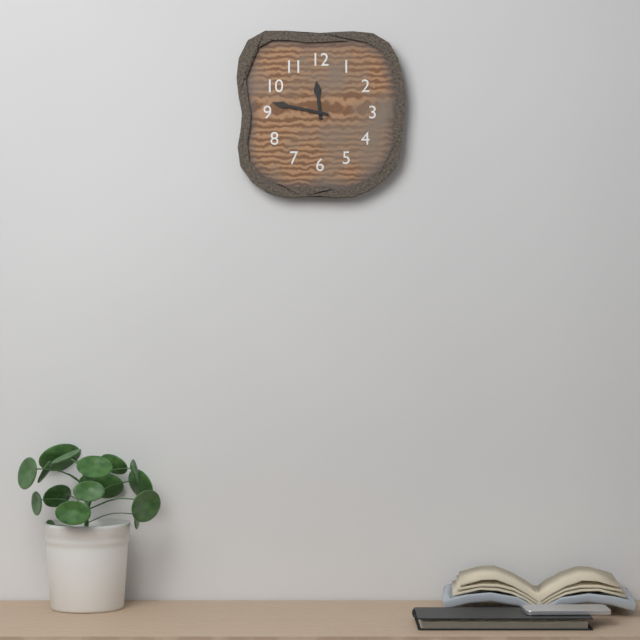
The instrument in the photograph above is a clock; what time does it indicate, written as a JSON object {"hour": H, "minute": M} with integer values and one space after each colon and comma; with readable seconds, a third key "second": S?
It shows {"hour": 11, "minute": 47}
